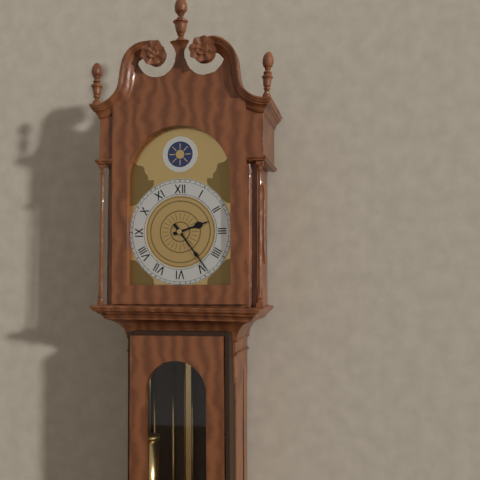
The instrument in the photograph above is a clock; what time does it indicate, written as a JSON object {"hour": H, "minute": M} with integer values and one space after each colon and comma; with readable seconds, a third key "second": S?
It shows {"hour": 2, "minute": 24}
